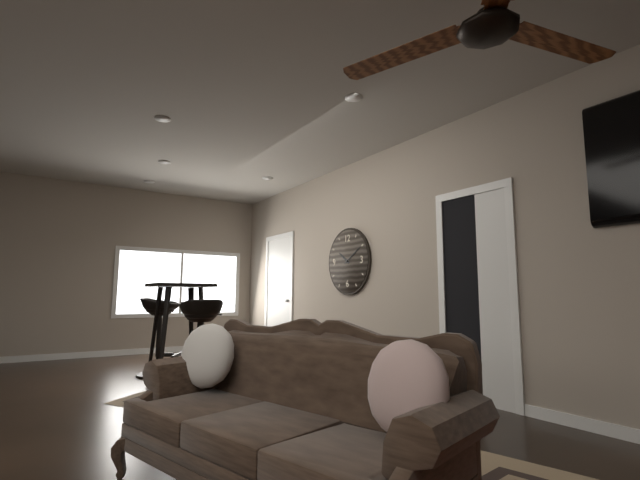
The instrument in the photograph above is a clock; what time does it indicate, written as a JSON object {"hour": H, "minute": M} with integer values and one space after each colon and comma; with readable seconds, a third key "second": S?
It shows {"hour": 10, "minute": 10}
